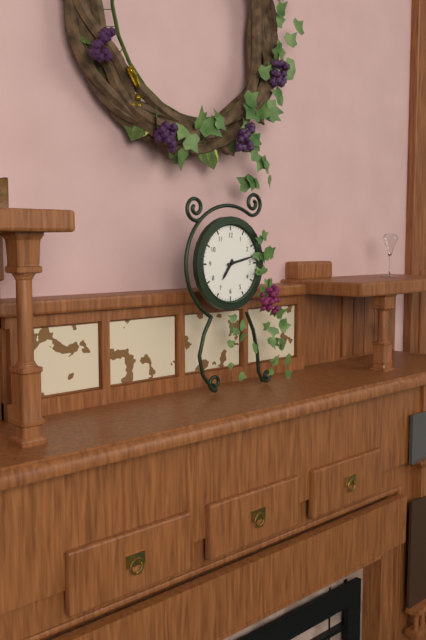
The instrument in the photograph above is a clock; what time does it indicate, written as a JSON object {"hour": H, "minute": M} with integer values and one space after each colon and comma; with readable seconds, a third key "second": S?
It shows {"hour": 7, "minute": 13}
